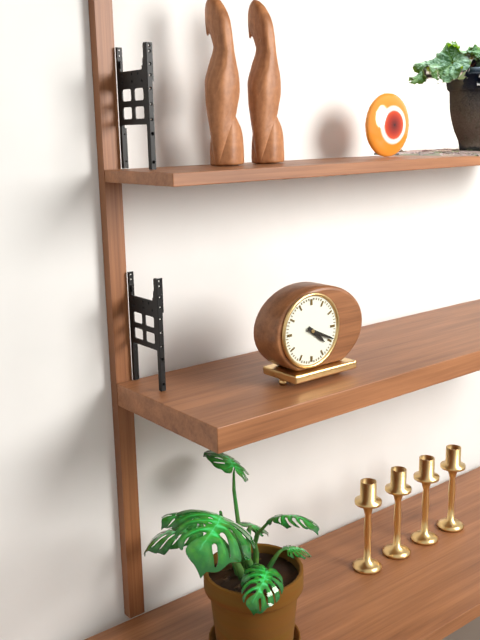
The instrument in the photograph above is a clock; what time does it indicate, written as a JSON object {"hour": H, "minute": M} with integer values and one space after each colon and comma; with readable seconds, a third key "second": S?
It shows {"hour": 4, "minute": 19}
